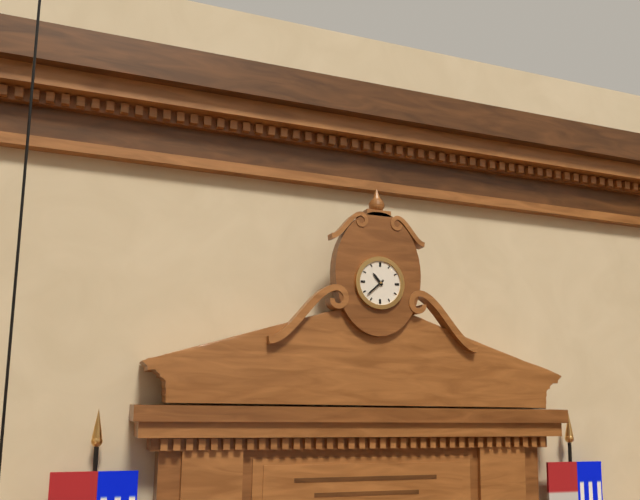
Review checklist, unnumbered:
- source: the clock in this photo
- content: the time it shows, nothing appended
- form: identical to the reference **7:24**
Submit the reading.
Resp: **10:38**
